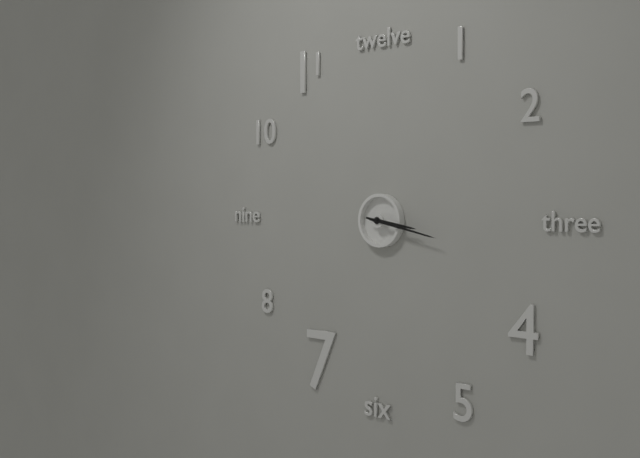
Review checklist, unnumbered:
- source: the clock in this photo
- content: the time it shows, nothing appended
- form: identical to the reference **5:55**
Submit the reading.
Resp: **3:17**
